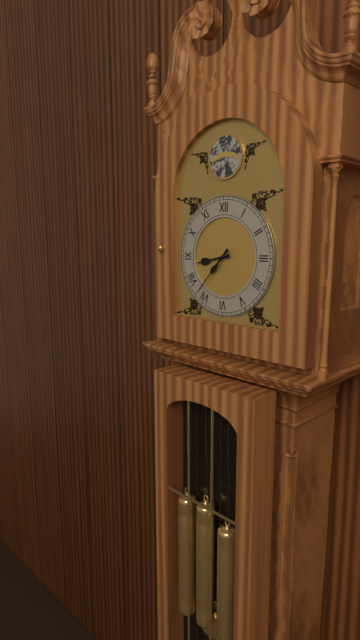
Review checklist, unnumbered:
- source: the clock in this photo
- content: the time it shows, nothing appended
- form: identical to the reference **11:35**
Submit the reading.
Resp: **8:37**
